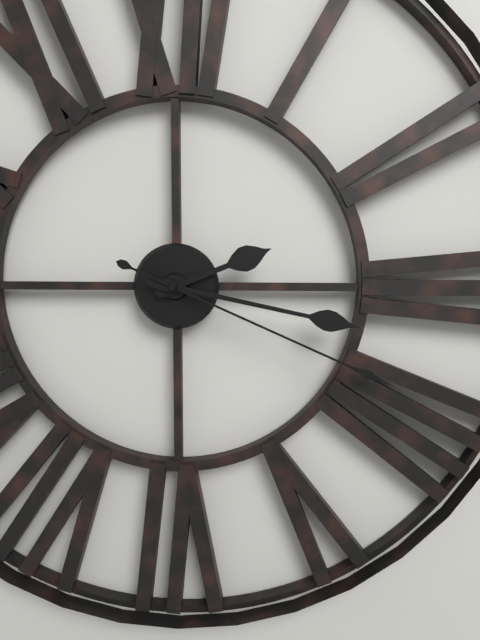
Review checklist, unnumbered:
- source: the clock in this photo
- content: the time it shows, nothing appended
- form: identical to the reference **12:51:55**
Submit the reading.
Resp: **2:17:19**
